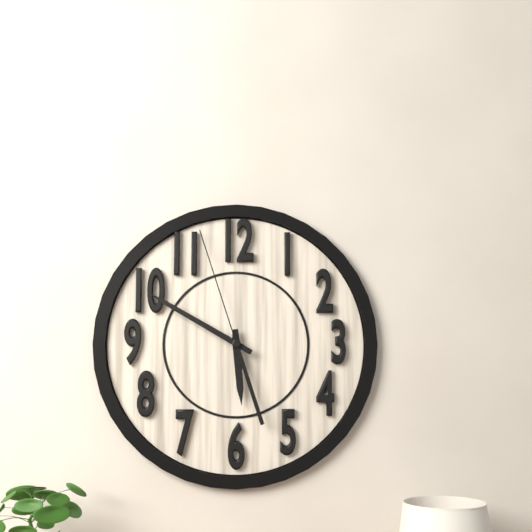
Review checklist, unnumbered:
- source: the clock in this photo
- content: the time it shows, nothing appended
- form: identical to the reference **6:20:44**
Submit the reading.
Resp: **5:50:57**
